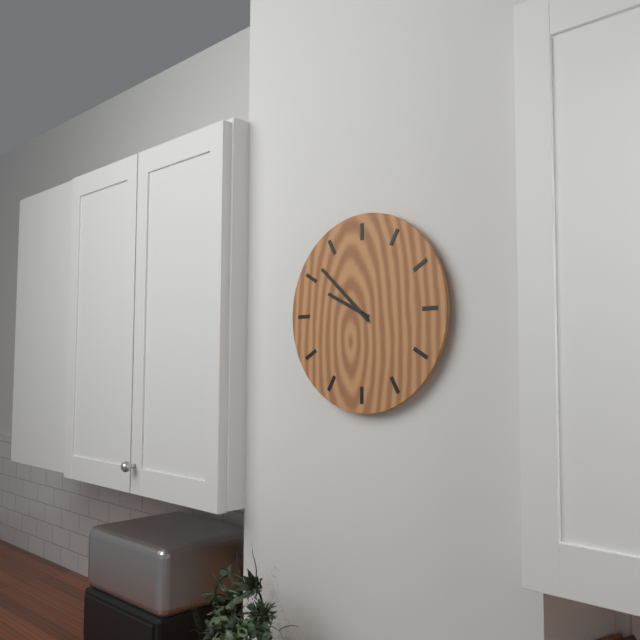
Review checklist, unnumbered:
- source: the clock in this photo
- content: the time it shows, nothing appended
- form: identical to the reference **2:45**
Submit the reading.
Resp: **9:52**
